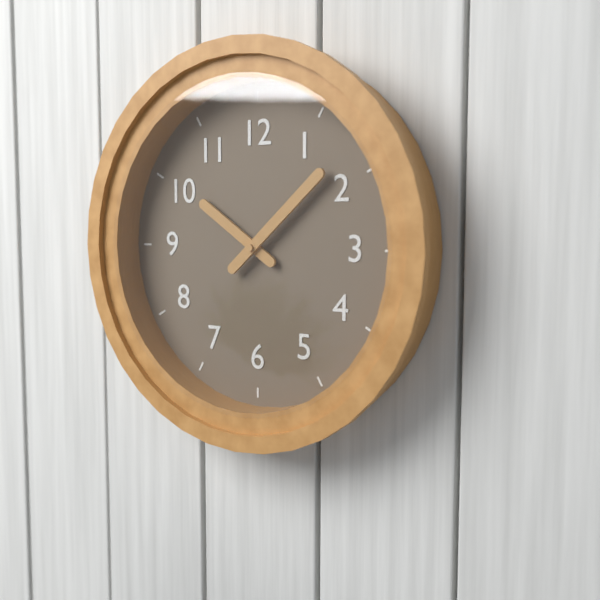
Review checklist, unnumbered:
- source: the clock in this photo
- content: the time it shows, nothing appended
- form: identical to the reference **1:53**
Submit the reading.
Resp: **10:08**
